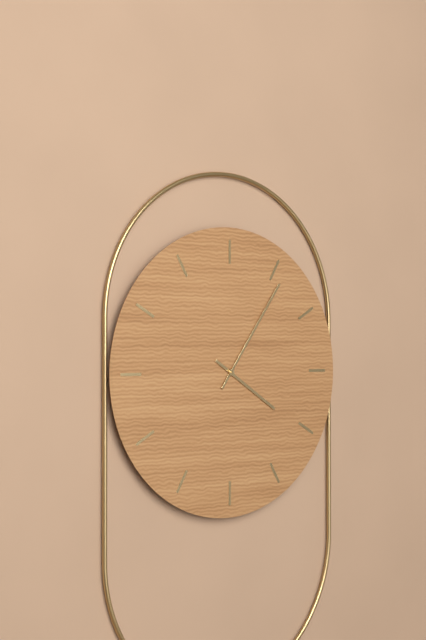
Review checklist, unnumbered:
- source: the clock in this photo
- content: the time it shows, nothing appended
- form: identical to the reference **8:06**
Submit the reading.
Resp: **4:06**
